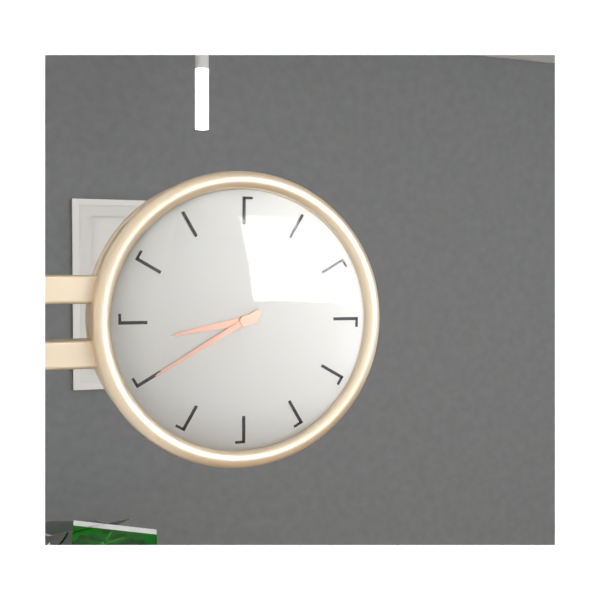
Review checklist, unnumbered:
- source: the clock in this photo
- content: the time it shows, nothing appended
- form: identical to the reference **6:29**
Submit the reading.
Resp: **8:40**
